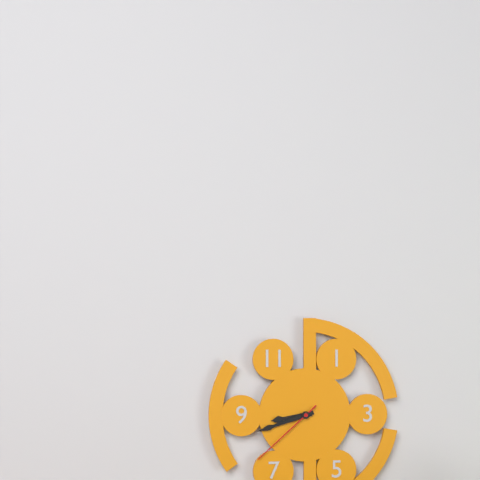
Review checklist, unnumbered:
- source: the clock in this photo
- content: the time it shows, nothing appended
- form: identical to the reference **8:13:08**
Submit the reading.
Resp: **8:42:38**
